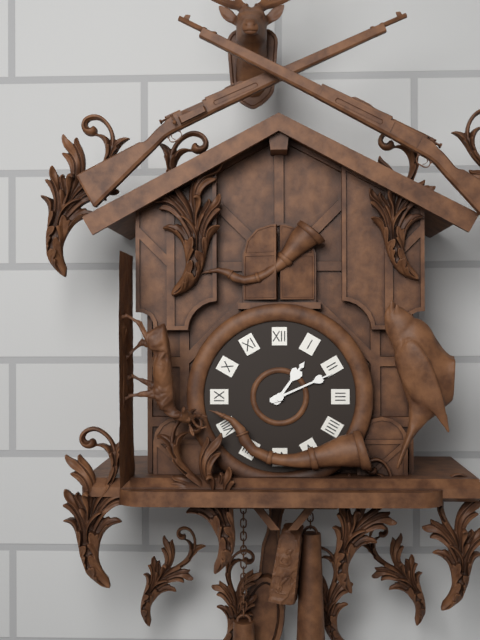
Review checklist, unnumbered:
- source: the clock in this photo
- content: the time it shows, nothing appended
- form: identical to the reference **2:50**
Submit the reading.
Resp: **1:11**
